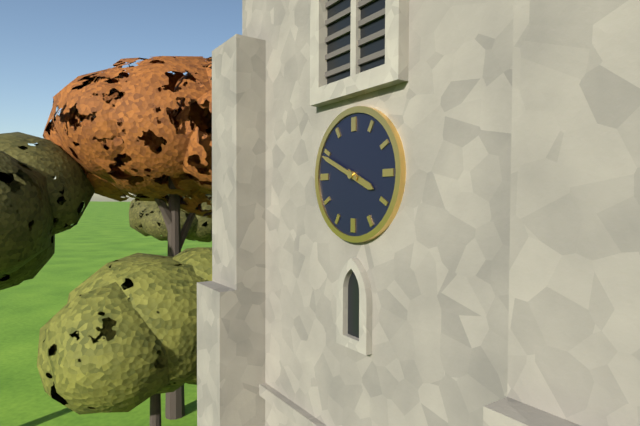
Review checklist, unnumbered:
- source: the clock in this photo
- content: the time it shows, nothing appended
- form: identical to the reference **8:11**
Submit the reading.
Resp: **3:49**
